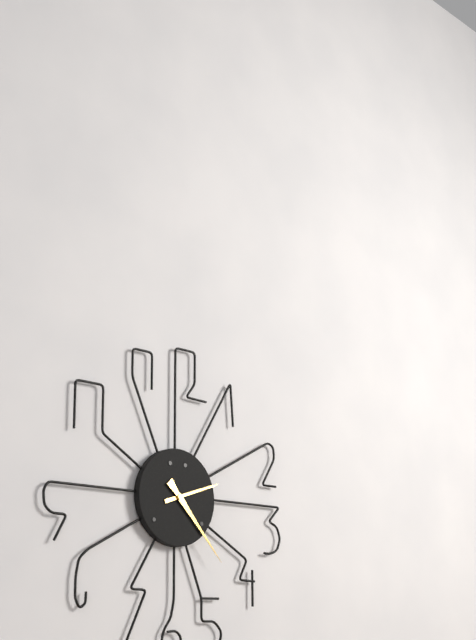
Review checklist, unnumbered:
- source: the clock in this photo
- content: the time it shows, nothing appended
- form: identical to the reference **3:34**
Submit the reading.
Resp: **2:23**
